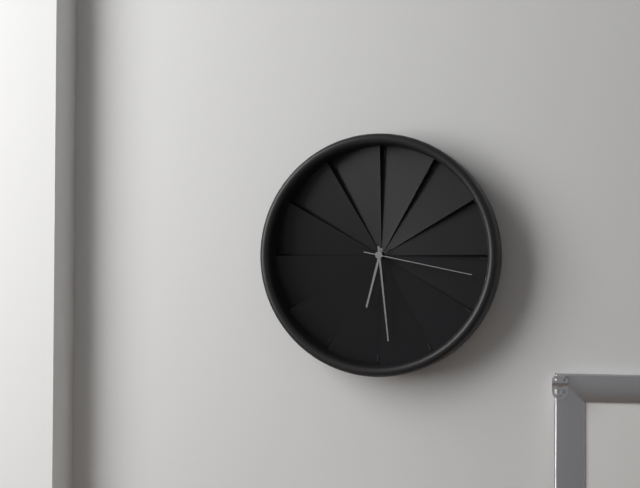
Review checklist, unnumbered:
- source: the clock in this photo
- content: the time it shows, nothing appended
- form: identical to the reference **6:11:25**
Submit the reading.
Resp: **6:29:17**
